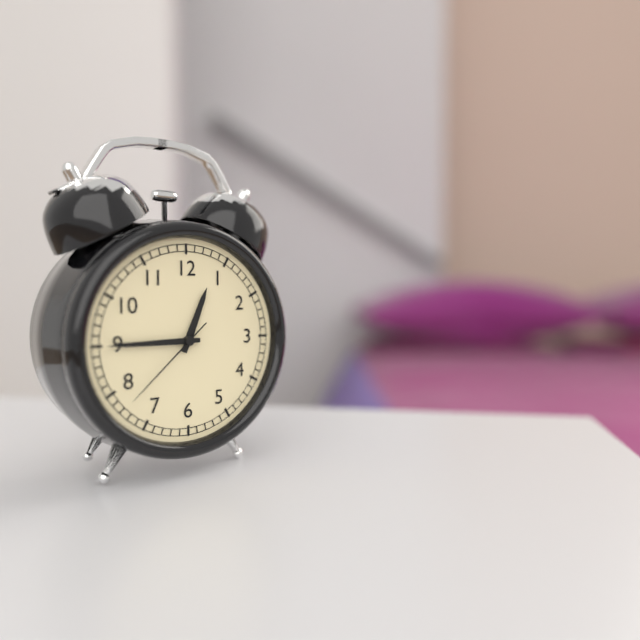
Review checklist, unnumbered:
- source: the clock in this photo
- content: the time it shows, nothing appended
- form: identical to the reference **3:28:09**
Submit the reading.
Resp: **12:45:38**
